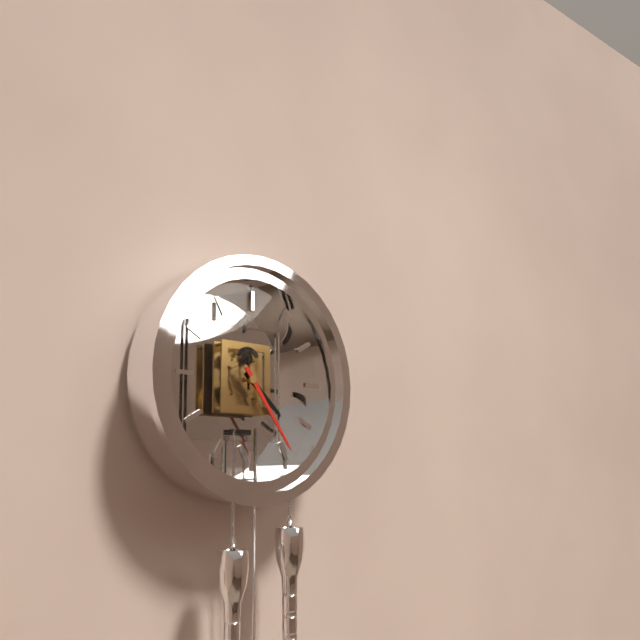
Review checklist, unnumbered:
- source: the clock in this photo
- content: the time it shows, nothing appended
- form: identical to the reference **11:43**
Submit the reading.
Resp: **4:24**
